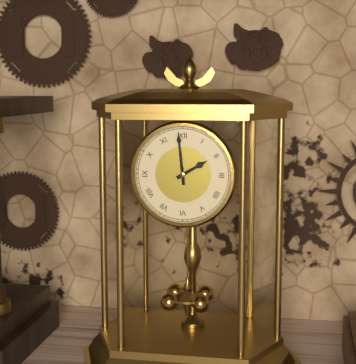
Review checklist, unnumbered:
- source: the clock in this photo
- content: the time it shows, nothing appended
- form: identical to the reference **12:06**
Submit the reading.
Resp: **1:59**
